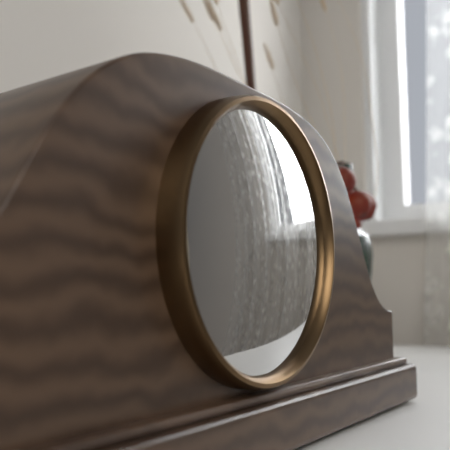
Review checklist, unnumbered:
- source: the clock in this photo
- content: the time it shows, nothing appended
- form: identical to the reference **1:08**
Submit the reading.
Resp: **11:38**
